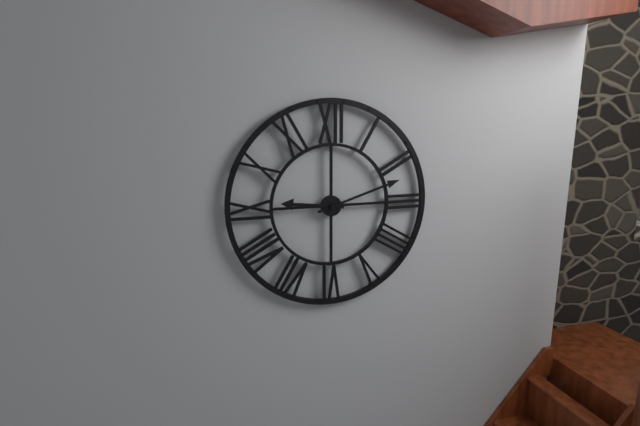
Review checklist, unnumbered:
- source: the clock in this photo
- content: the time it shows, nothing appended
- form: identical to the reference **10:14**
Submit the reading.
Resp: **9:12**
